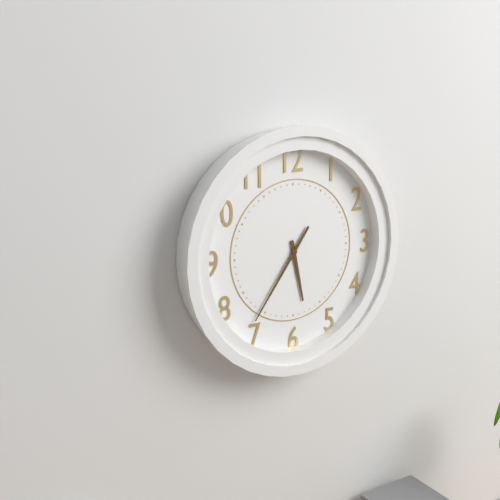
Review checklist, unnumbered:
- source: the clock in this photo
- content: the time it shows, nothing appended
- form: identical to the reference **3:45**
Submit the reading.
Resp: **5:36**
